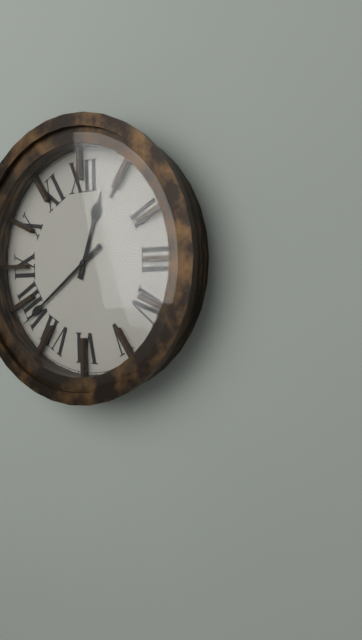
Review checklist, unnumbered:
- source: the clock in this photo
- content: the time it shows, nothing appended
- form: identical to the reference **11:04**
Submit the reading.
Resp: **12:39**
